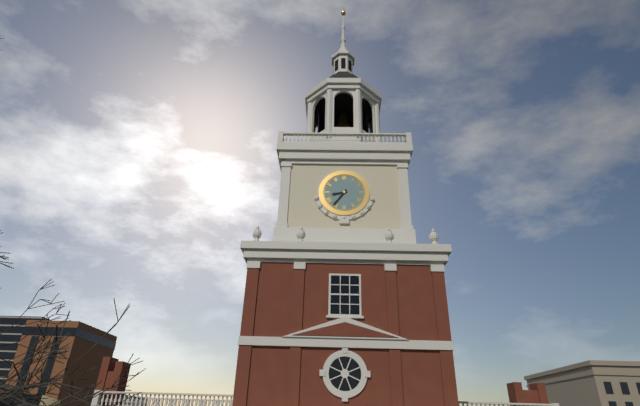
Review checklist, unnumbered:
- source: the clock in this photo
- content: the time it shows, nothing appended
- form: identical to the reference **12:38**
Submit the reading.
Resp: **8:36**
